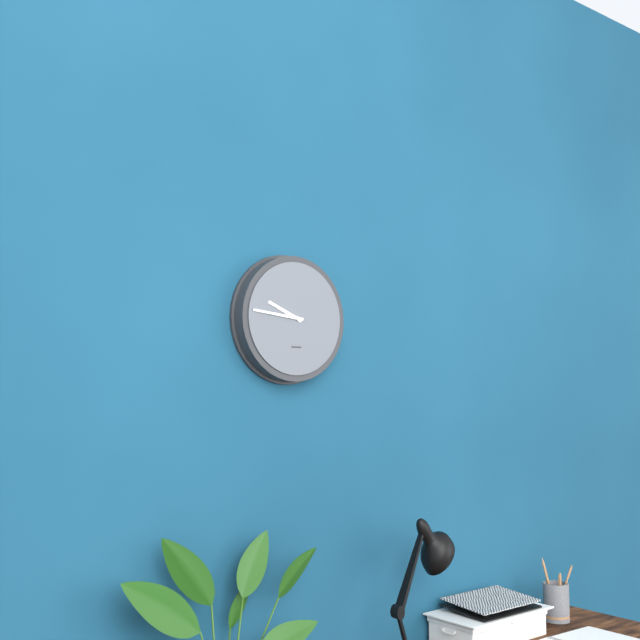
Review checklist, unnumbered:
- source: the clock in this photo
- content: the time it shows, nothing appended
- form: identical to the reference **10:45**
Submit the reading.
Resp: **9:46**
